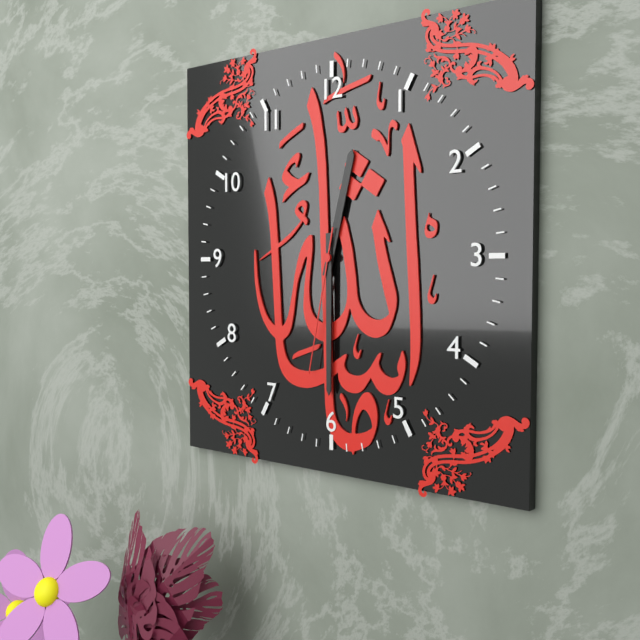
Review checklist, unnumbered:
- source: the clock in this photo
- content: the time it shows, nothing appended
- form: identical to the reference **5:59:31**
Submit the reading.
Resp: **12:30:32**
